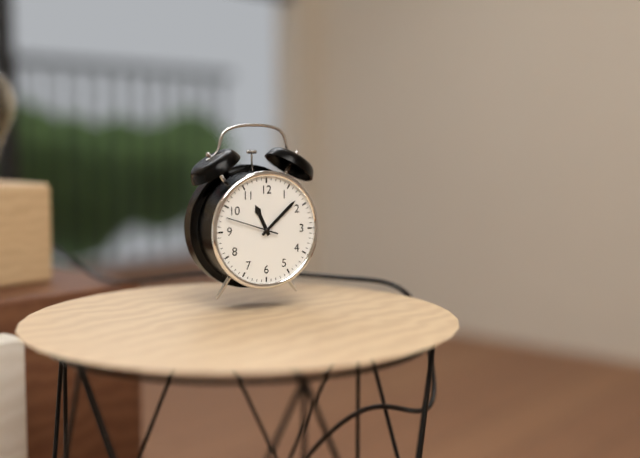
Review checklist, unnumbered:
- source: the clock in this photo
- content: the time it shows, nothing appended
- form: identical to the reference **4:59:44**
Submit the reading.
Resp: **11:08:48**
